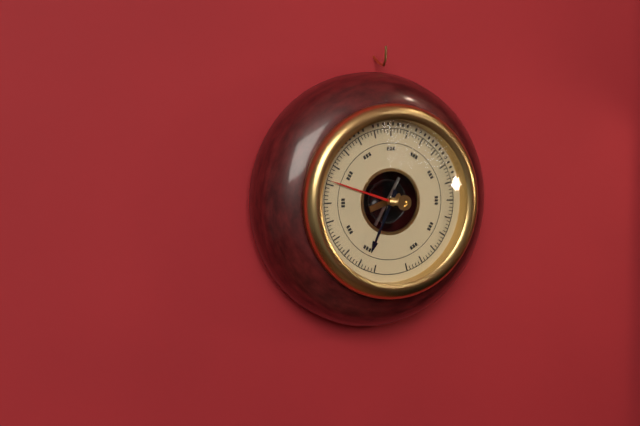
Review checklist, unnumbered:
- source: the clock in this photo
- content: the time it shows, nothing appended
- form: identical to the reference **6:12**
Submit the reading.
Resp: **6:48**
